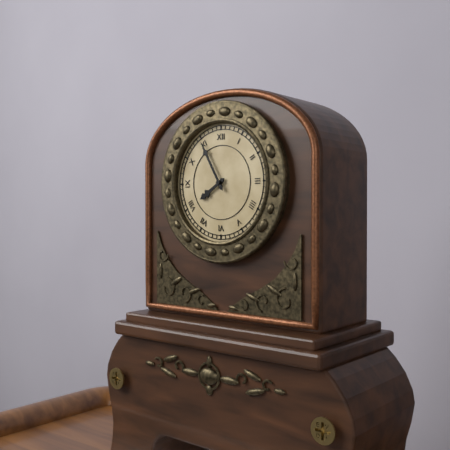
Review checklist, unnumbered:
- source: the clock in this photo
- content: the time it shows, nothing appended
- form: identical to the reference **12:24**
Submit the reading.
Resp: **7:55**
